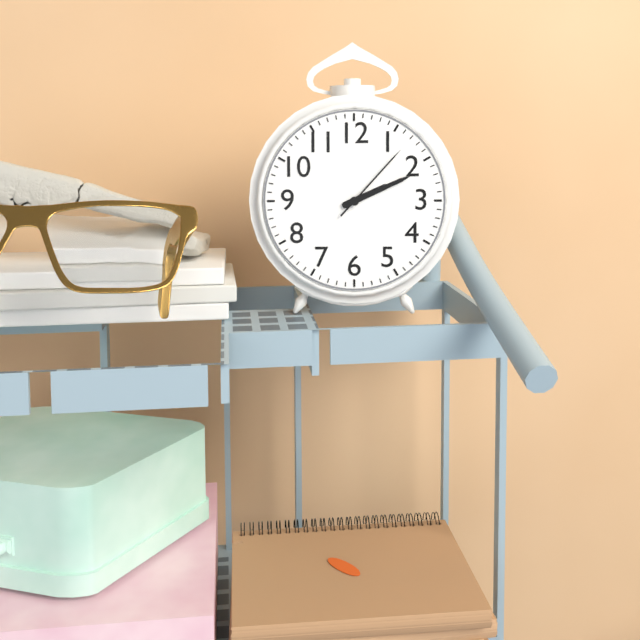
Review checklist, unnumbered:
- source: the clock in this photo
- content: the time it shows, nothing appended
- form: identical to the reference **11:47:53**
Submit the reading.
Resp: **2:11:07**
